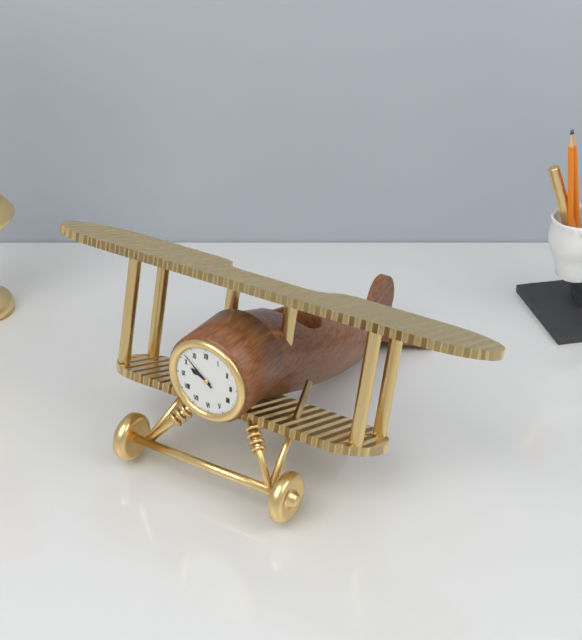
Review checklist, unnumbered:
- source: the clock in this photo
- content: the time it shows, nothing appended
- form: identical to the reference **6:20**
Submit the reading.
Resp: **9:52**
